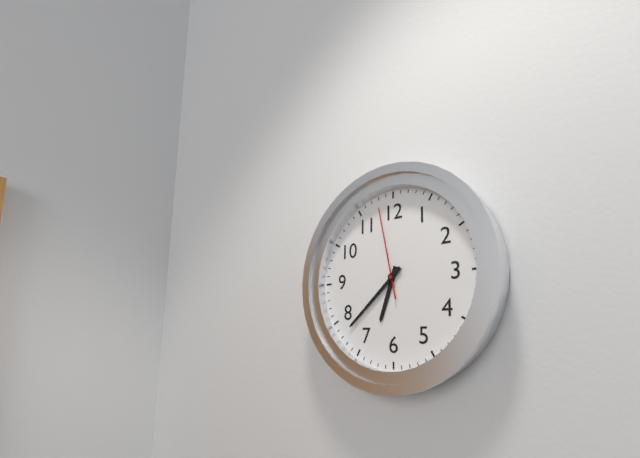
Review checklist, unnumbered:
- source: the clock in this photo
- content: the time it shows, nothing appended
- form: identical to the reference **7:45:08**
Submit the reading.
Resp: **6:38:58**
